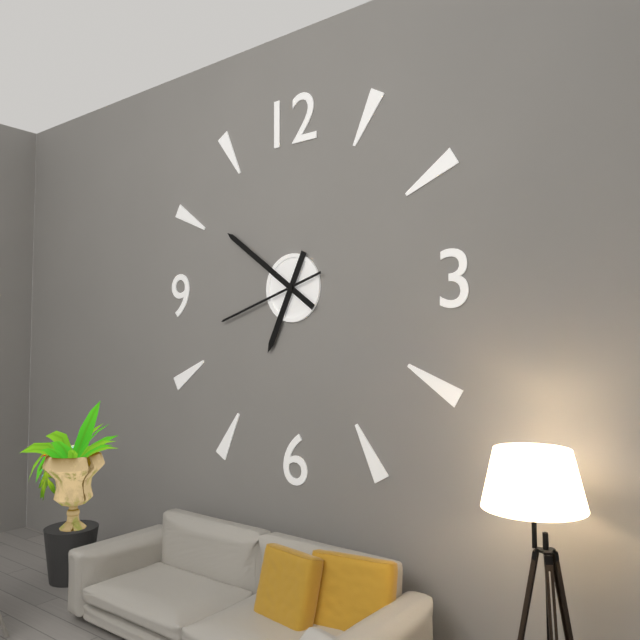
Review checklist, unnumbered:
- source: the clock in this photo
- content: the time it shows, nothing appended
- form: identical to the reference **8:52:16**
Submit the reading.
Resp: **6:51:42**
